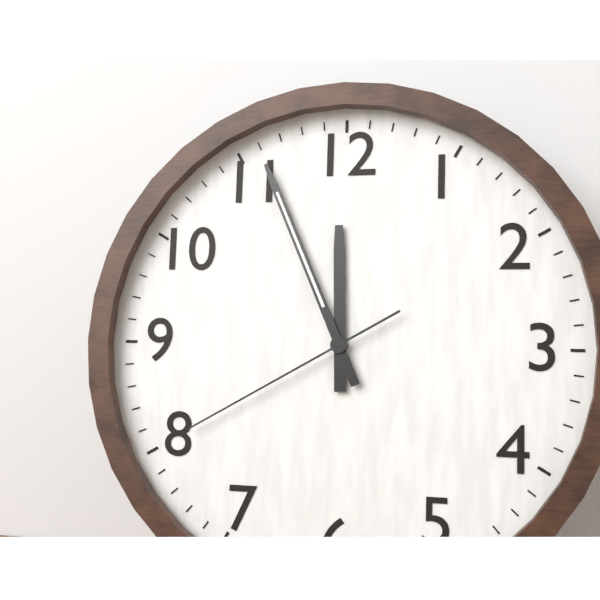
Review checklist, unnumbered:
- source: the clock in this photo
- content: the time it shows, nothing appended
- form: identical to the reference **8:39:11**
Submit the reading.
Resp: **11:56:40**
